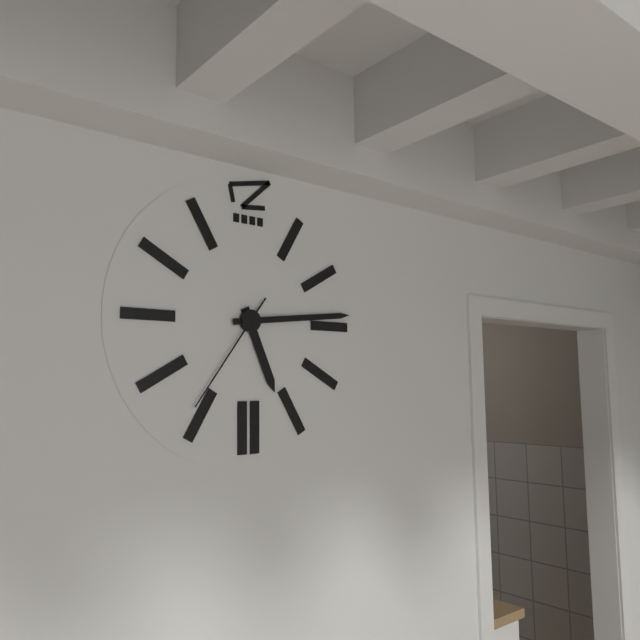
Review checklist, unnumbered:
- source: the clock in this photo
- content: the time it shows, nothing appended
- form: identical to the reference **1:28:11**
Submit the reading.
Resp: **5:14:36**
